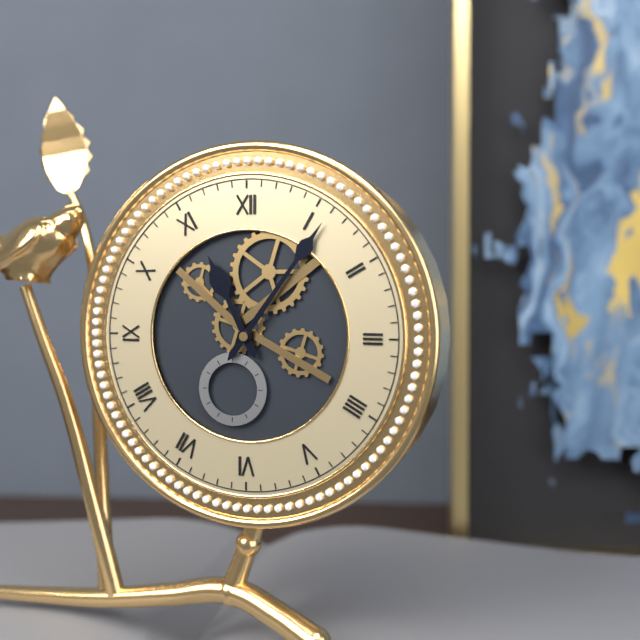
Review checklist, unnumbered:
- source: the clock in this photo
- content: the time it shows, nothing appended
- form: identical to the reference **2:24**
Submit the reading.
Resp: **11:06**
